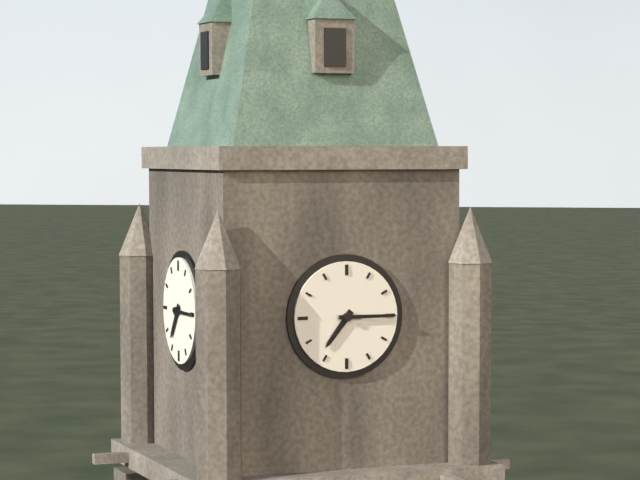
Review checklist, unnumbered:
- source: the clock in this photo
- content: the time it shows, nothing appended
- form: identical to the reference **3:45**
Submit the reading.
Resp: **7:15**
